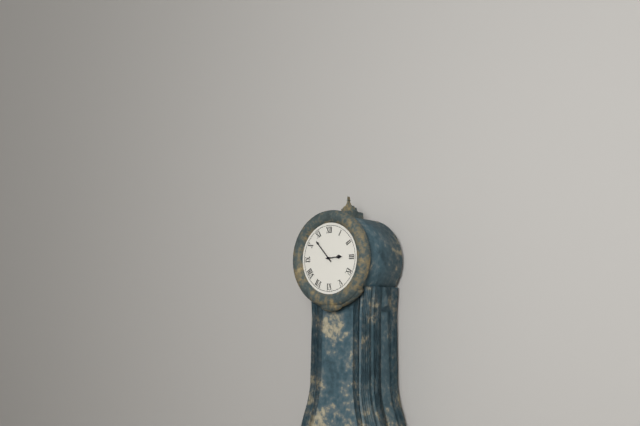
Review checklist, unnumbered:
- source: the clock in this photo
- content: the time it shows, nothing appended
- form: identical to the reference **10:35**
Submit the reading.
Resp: **2:53**
